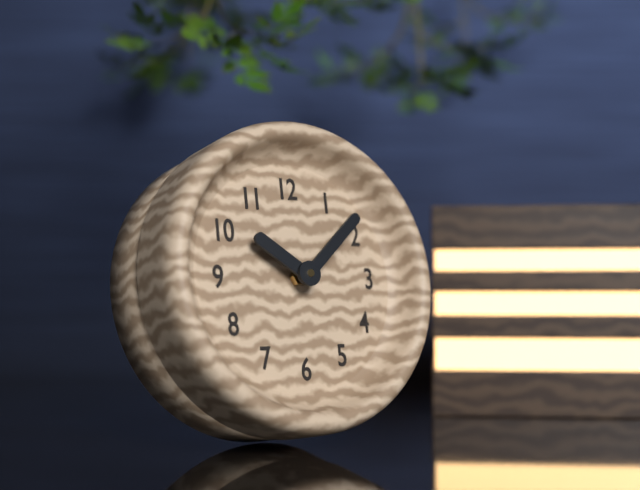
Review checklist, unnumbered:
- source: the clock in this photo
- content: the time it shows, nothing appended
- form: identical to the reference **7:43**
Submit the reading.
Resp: **10:08**
